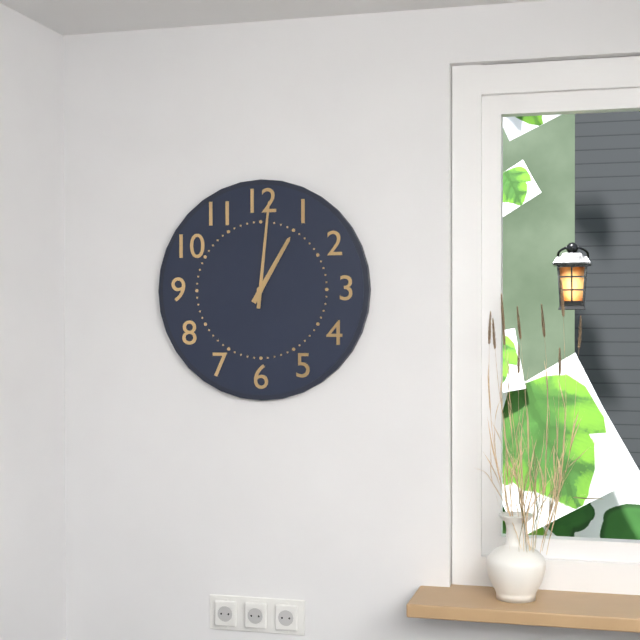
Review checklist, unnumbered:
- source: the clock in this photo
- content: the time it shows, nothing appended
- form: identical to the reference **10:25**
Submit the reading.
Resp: **1:01**
